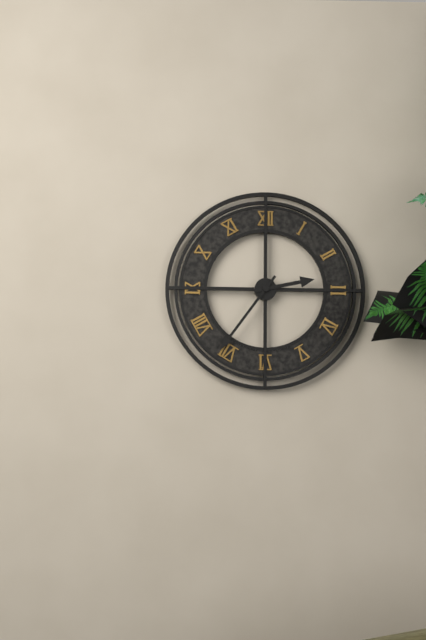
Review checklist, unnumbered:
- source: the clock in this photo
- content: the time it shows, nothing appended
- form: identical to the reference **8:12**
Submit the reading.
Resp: **2:36**
